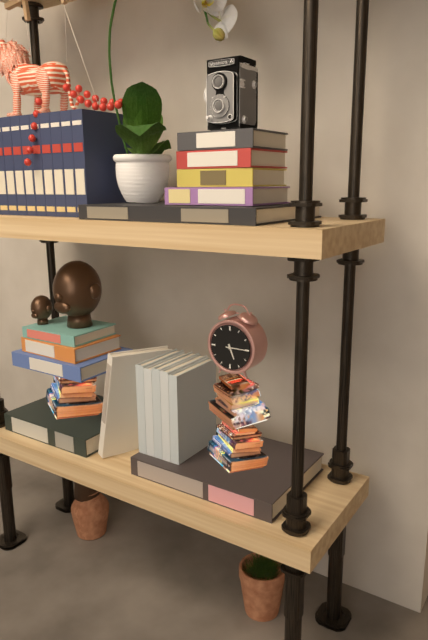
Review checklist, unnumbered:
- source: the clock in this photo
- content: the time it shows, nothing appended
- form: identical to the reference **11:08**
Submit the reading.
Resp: **5:15**
